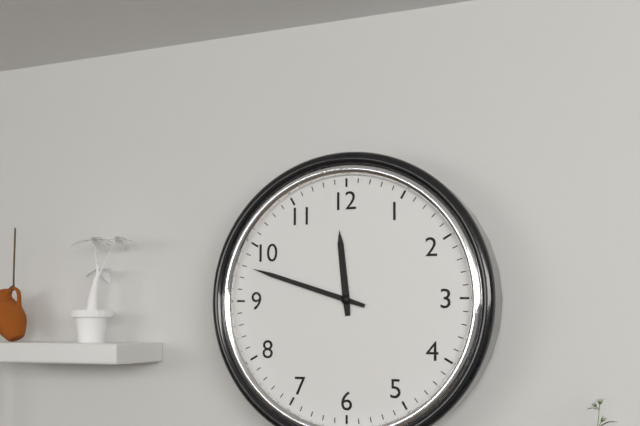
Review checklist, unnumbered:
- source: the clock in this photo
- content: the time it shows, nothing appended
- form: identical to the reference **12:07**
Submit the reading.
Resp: **11:48**
